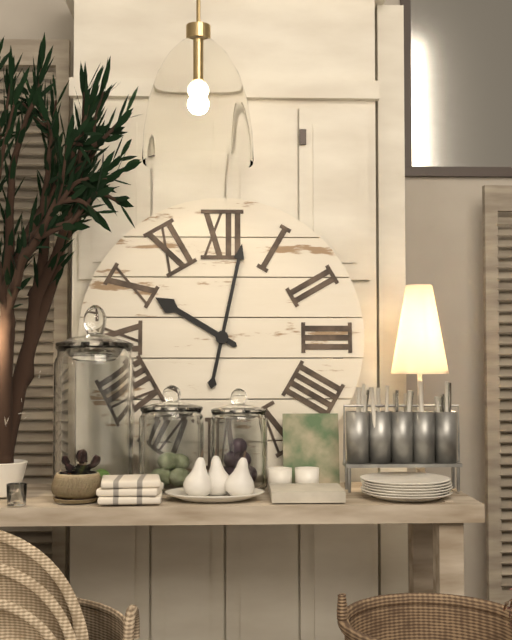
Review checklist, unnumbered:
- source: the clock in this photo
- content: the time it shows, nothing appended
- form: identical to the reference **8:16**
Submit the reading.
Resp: **10:02**
